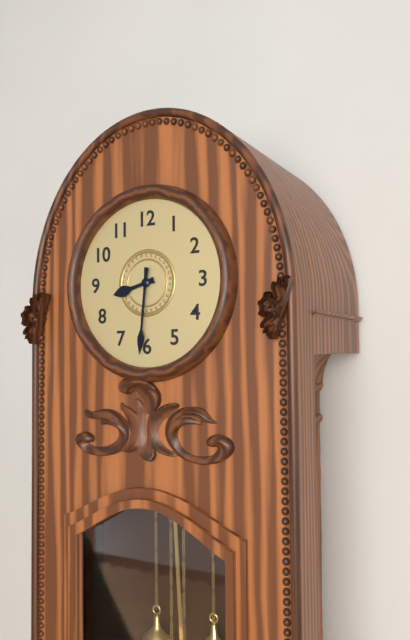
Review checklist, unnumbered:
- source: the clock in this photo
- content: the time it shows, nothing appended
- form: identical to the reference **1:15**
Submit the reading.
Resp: **8:31**
